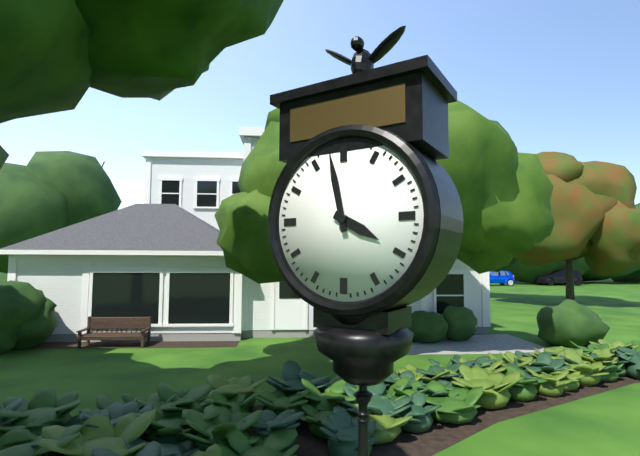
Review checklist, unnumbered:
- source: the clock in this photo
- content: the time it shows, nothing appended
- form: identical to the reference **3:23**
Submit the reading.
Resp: **3:58**
